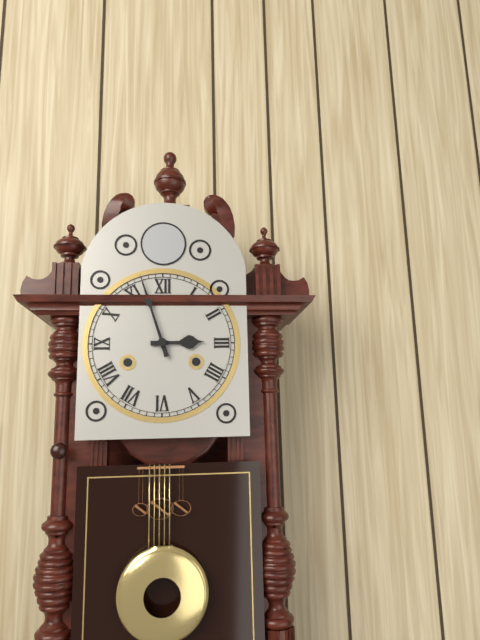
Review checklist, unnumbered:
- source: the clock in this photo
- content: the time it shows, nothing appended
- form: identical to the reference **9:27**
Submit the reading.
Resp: **2:57**
